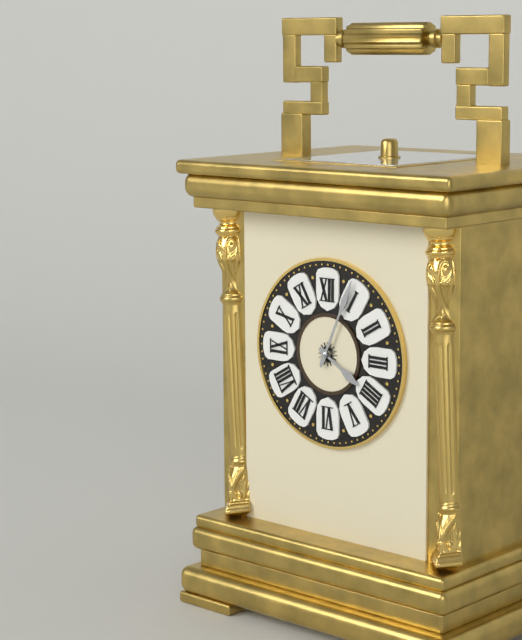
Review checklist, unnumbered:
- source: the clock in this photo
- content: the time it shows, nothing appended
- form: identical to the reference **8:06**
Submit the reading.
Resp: **4:04**
